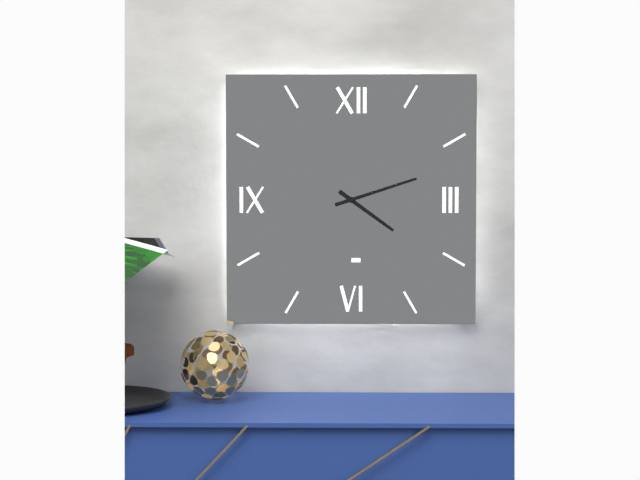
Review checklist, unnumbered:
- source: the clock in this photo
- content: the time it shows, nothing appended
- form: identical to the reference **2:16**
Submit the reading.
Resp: **4:12**
